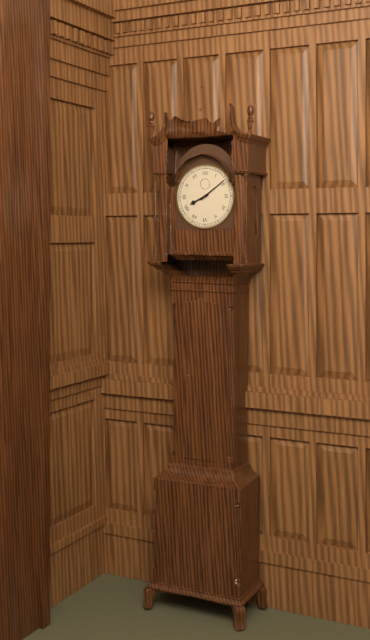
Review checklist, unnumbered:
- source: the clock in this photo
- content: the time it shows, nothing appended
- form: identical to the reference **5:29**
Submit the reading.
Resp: **8:09**
